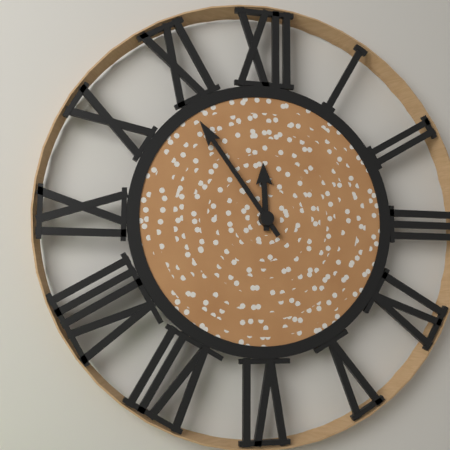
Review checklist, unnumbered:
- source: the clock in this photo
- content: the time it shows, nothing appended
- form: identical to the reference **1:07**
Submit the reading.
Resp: **11:54**
